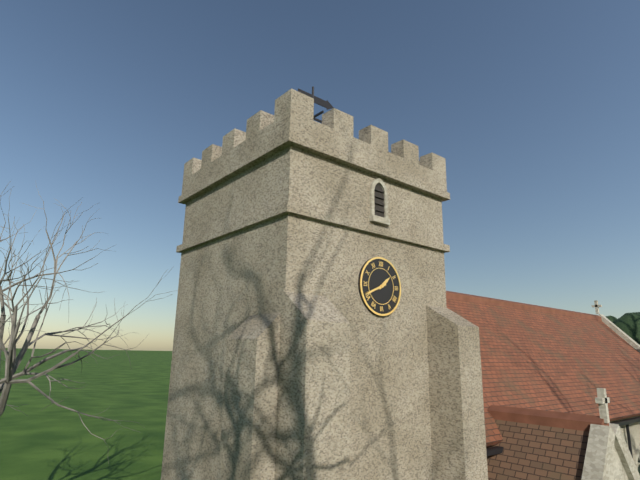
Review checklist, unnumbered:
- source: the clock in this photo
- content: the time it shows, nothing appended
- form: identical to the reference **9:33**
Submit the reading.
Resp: **1:41**
